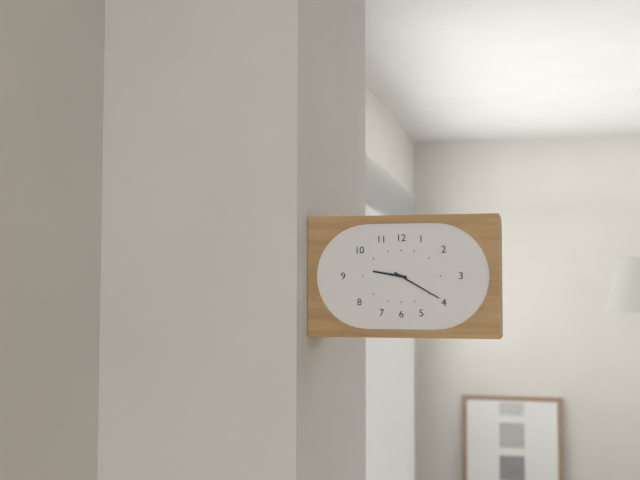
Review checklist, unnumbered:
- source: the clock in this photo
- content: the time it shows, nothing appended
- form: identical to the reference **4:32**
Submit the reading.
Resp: **9:20**
